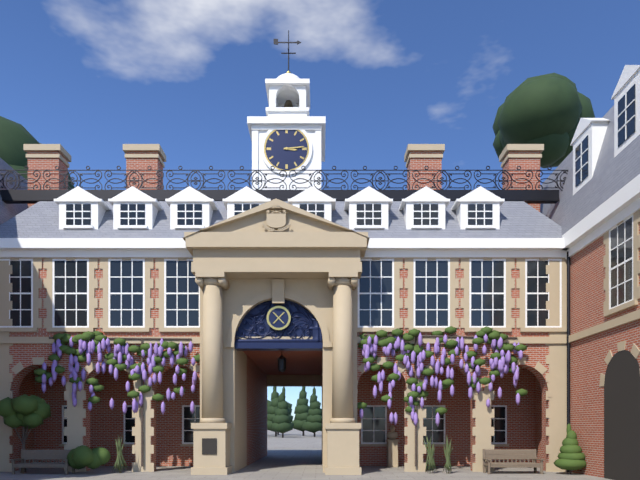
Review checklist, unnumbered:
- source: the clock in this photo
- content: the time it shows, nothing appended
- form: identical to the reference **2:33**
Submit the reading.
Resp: **3:14**
